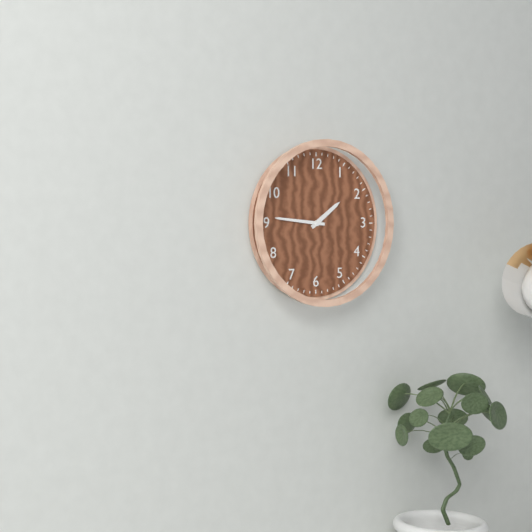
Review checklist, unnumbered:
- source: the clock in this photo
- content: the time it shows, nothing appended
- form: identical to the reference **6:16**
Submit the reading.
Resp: **1:46**
